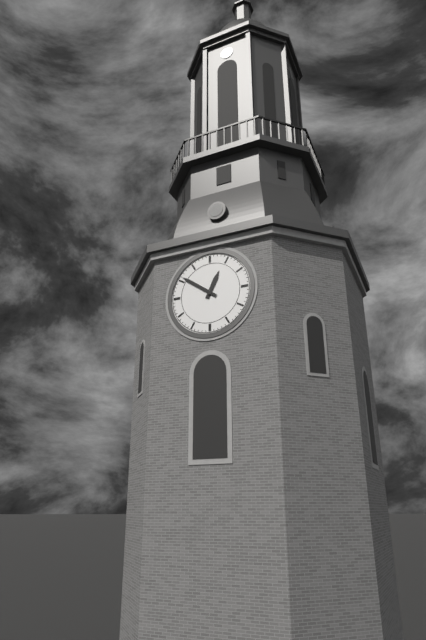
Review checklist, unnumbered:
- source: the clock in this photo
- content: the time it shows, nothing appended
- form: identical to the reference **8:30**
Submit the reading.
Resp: **12:51**
